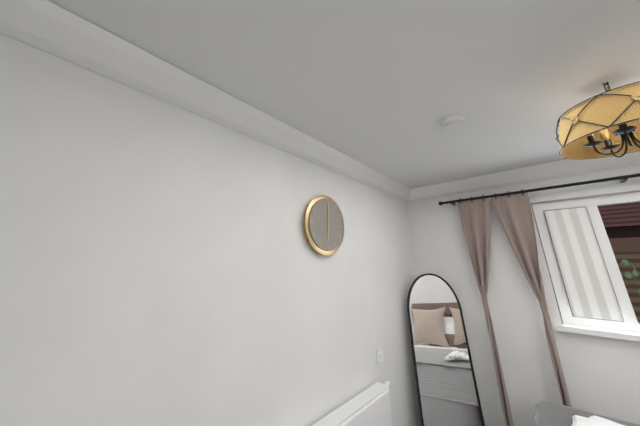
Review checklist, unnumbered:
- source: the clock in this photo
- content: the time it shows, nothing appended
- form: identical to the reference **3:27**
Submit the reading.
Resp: **6:00**
